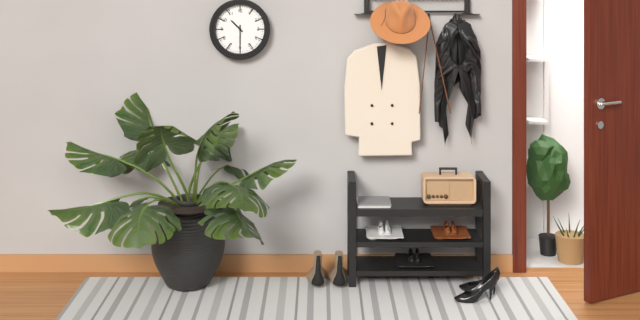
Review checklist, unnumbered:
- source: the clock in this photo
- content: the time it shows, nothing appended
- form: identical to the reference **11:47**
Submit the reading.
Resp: **10:30**
